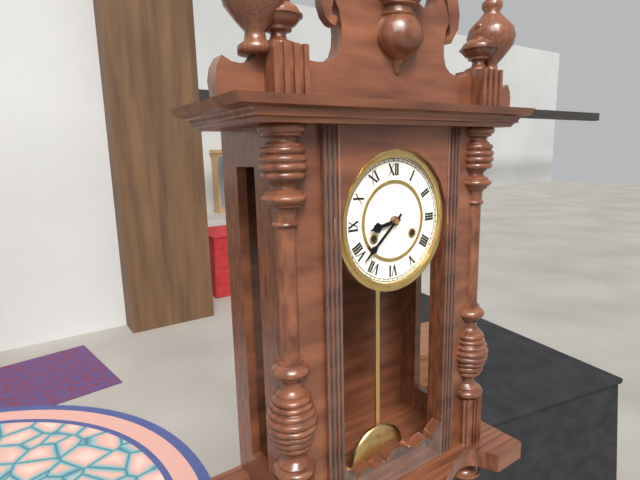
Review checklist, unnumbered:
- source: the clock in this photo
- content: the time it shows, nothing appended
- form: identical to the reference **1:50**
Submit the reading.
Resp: **8:38**
